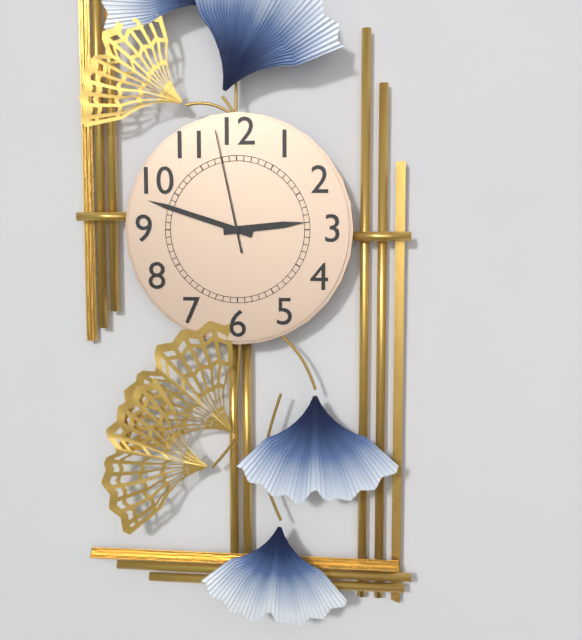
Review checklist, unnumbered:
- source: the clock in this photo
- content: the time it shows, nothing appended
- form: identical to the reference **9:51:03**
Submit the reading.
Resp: **2:48:58**
